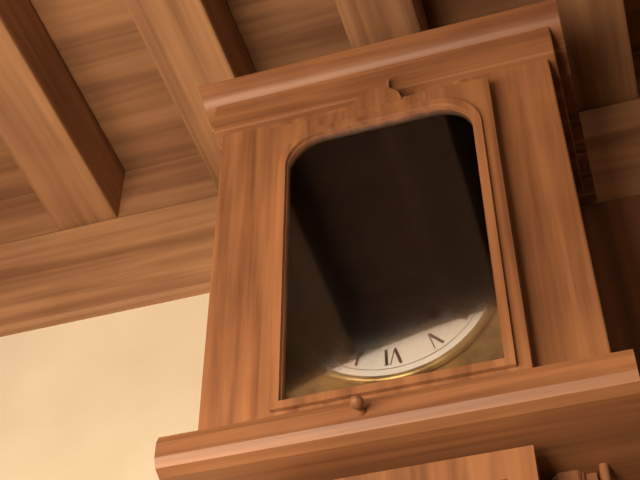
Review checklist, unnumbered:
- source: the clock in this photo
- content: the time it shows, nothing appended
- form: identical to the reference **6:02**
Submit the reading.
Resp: **10:07**
